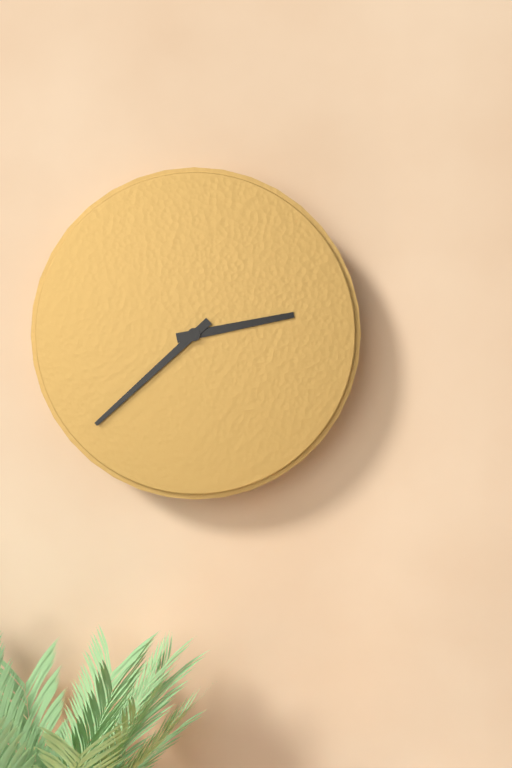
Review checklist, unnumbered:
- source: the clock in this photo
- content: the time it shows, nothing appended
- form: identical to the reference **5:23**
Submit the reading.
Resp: **2:38**
